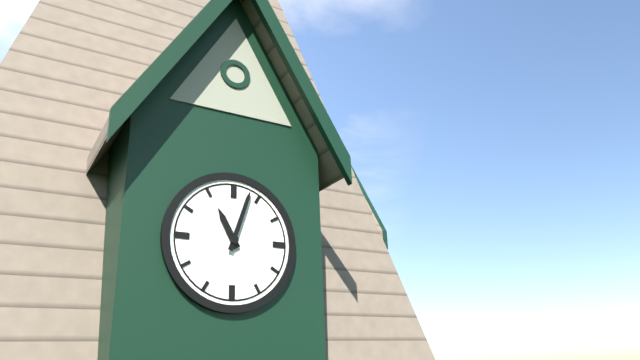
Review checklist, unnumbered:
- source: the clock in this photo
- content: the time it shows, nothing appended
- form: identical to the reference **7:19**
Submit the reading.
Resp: **11:03**
